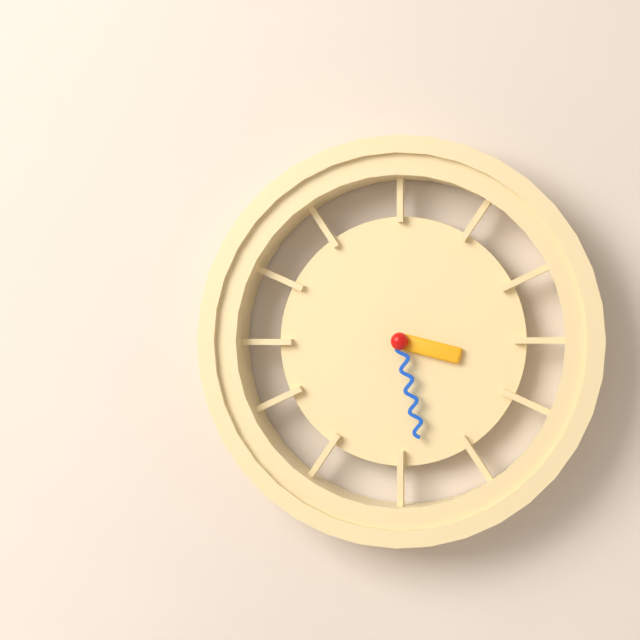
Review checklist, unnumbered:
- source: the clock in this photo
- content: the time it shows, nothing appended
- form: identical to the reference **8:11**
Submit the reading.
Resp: **3:28**
